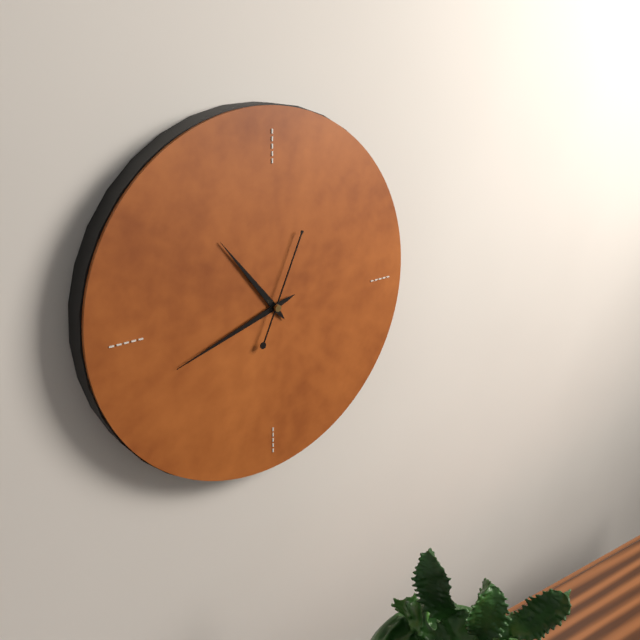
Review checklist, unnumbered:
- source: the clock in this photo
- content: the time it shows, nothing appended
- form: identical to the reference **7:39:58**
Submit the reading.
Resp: **10:42:04**
